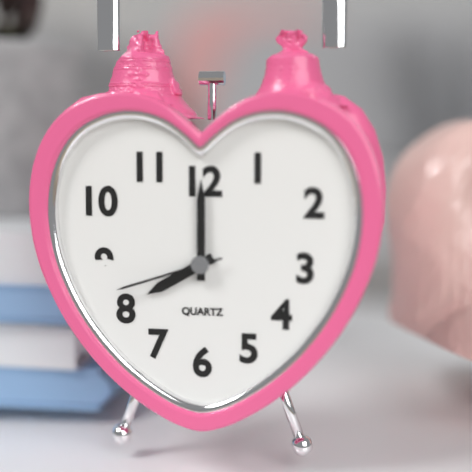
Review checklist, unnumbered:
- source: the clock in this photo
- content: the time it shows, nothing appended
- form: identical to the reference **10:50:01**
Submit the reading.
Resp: **8:00:42**
